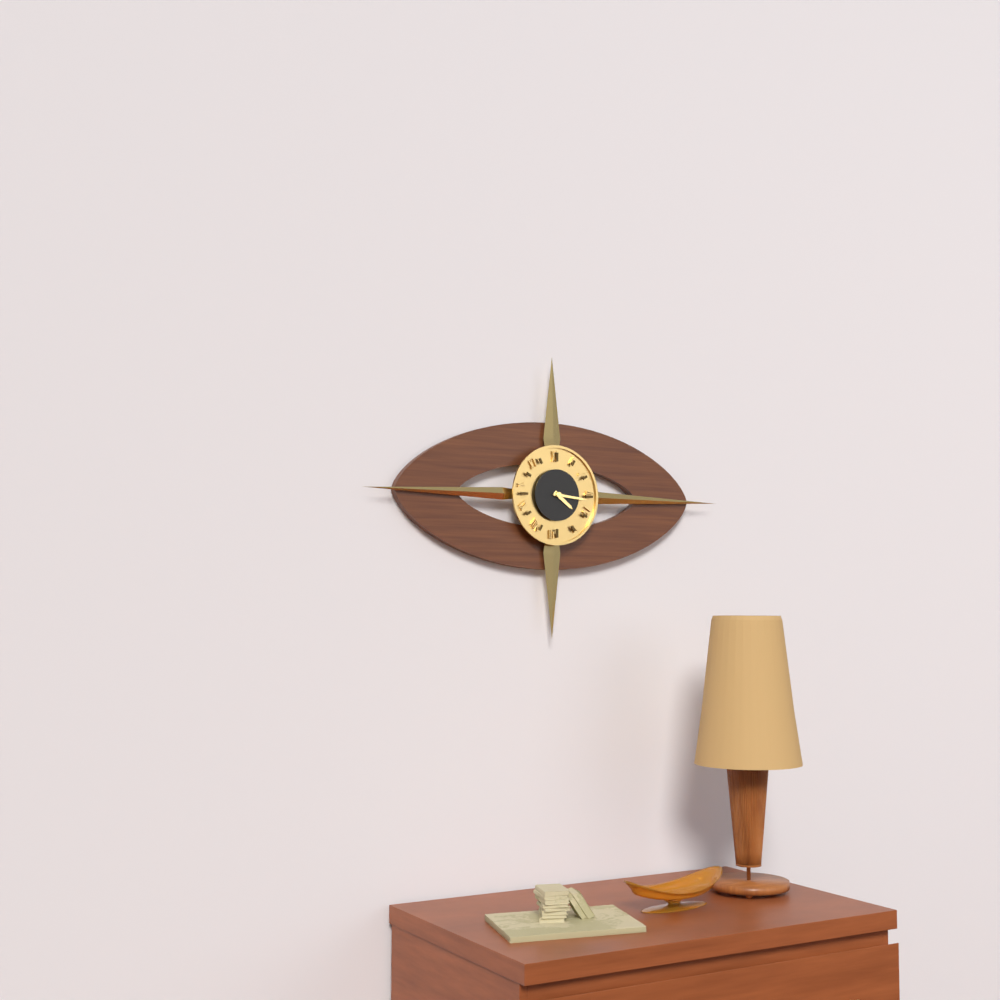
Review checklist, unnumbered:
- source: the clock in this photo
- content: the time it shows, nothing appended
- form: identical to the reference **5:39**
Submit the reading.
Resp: **4:16**
